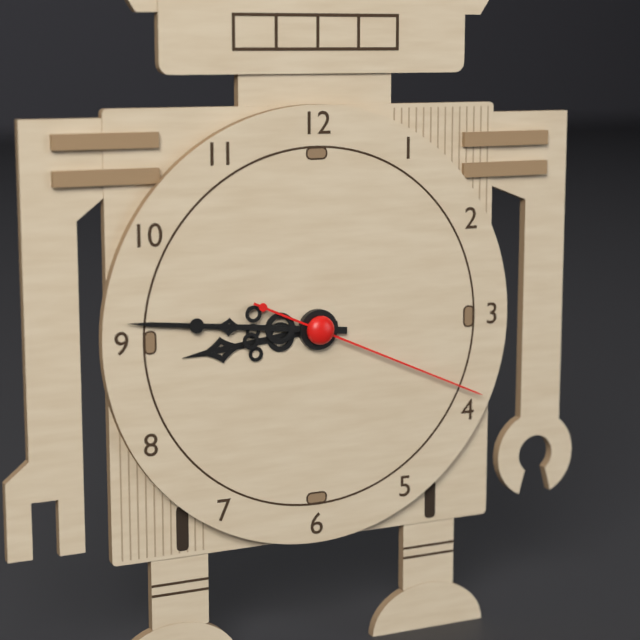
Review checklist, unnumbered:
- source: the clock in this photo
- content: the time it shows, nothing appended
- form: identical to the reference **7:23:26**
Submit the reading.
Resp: **8:46:19**
